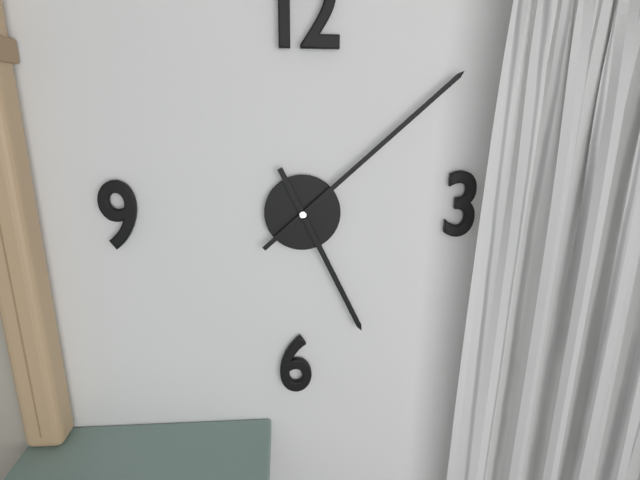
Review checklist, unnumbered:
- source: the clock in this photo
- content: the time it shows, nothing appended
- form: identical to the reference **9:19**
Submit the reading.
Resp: **5:08**
